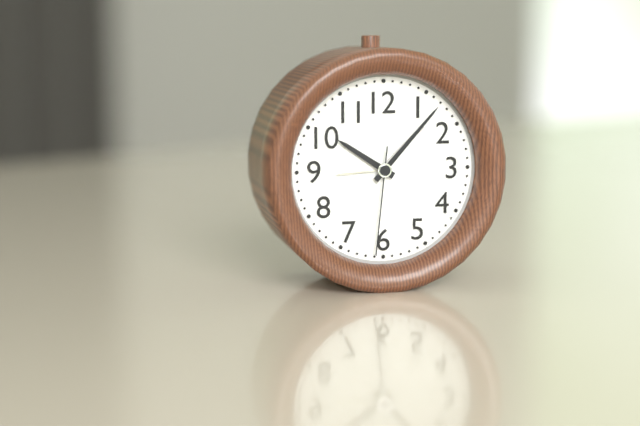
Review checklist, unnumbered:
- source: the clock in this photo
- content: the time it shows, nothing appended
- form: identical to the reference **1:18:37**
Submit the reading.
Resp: **10:07:31**
